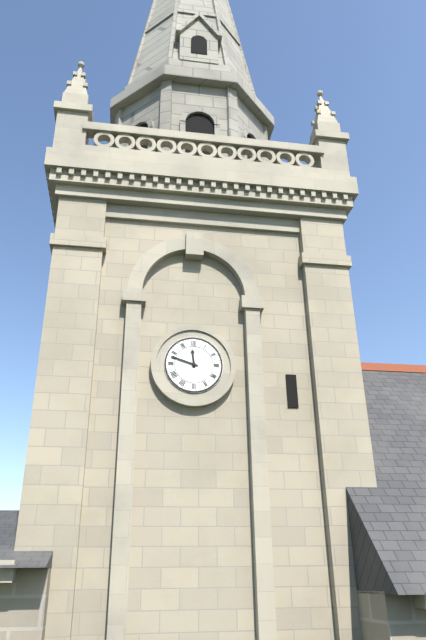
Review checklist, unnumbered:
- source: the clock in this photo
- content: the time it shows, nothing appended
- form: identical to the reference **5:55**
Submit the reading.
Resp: **11:48**
